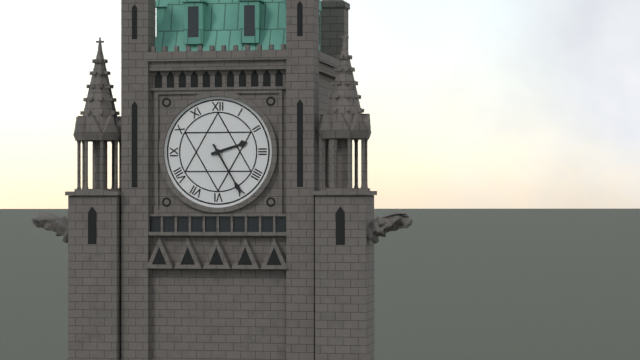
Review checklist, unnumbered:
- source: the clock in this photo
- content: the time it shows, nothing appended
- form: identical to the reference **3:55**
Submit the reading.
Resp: **2:25**
